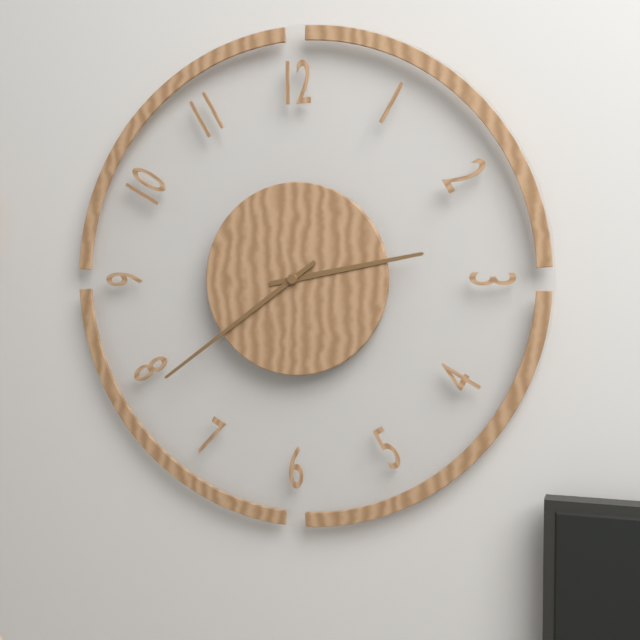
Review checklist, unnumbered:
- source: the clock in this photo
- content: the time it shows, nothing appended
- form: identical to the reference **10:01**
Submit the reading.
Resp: **2:39**
